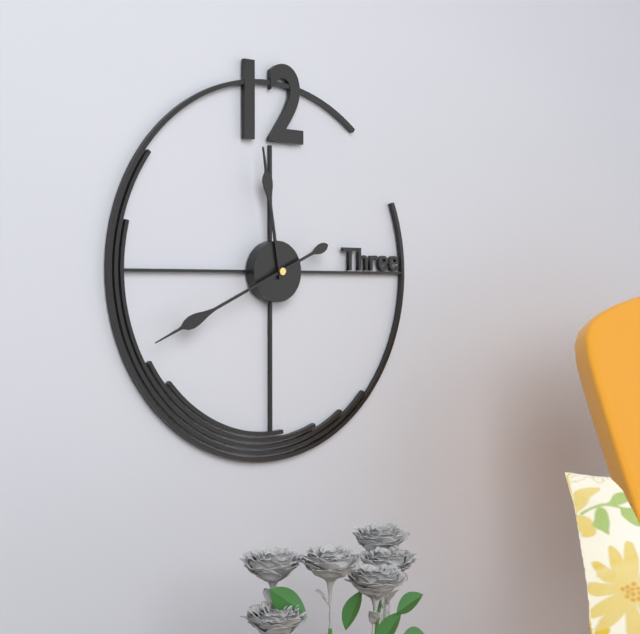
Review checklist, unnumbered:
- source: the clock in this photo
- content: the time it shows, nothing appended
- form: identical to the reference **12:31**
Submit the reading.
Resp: **11:41**
